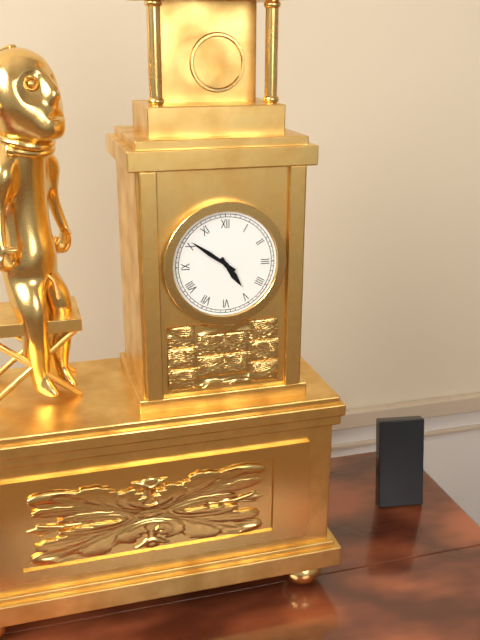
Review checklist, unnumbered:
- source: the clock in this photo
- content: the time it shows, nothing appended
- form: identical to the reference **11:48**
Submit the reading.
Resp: **4:51**
